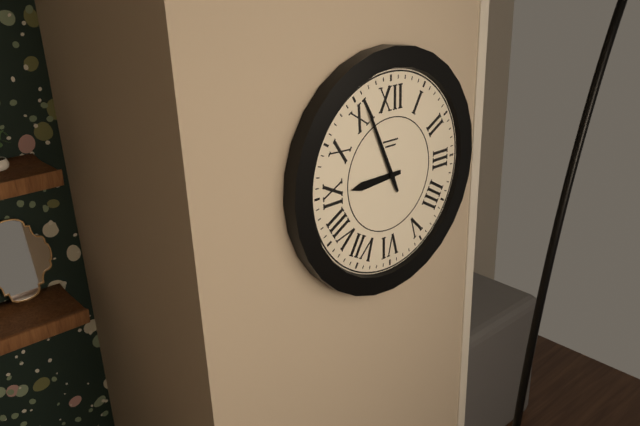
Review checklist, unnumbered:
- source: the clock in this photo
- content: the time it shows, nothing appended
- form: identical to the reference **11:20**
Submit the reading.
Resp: **8:56**
